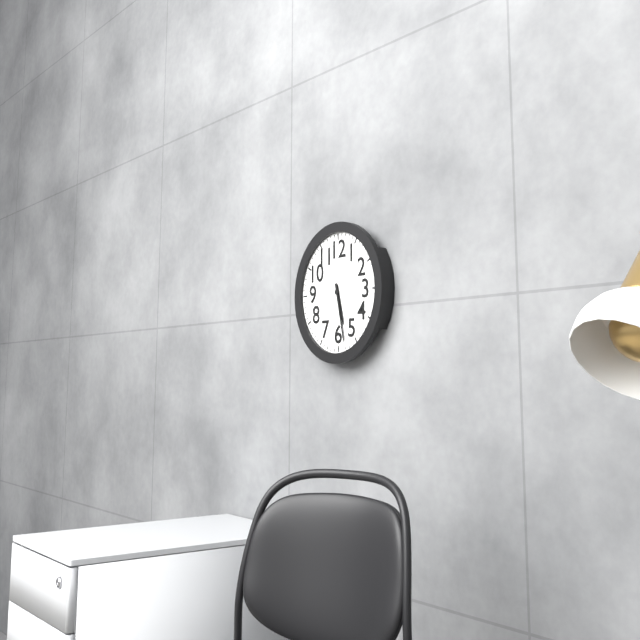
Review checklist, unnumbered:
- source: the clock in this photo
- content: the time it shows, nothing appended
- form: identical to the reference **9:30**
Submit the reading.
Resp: **5:28**
